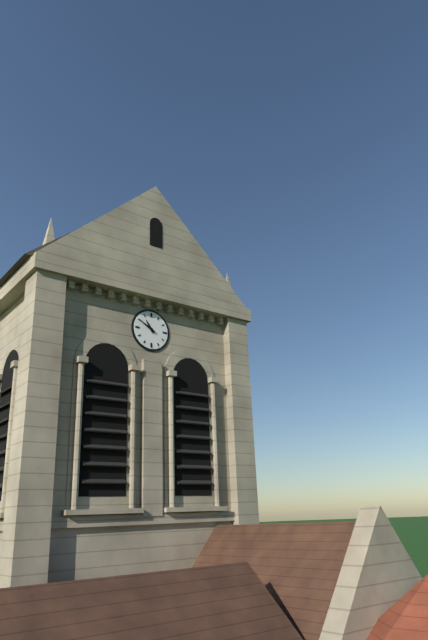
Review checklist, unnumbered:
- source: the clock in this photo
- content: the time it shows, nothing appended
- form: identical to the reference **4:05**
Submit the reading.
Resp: **10:50**
